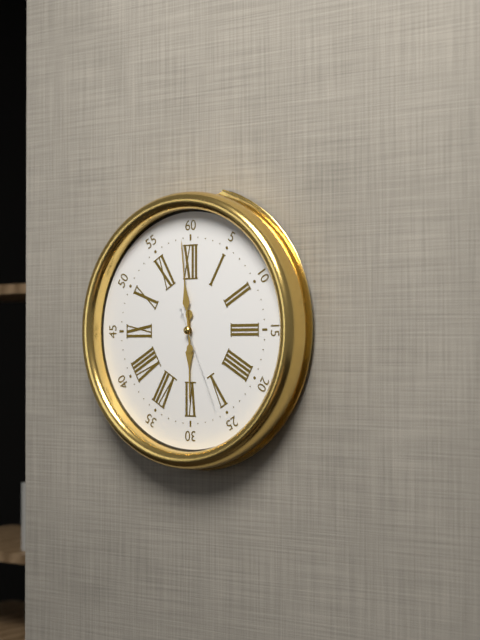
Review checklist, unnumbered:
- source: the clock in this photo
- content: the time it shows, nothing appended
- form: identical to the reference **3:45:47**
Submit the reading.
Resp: **5:59:26**
